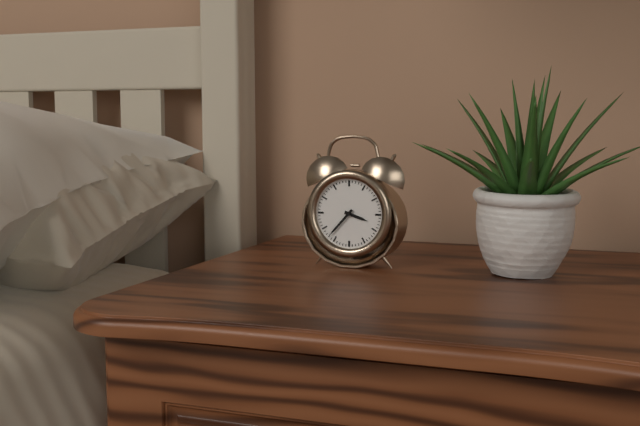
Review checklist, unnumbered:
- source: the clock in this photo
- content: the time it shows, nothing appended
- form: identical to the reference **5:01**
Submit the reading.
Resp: **3:37**
